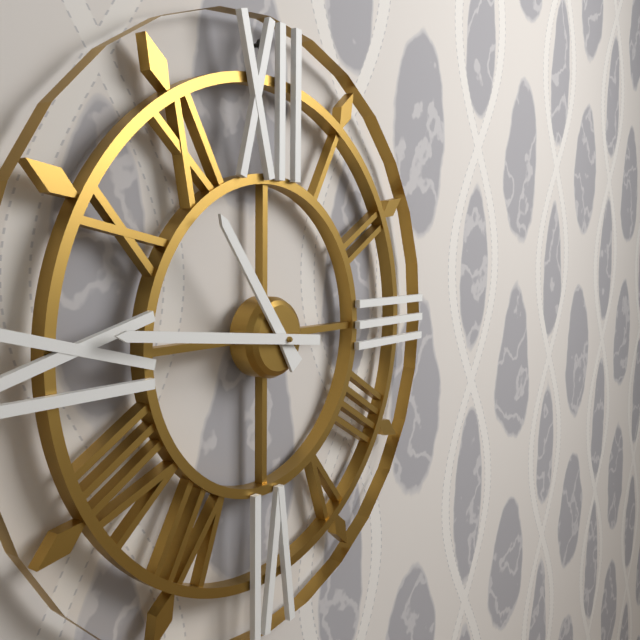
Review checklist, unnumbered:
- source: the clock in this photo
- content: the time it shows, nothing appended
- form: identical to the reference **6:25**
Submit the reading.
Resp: **10:46**
